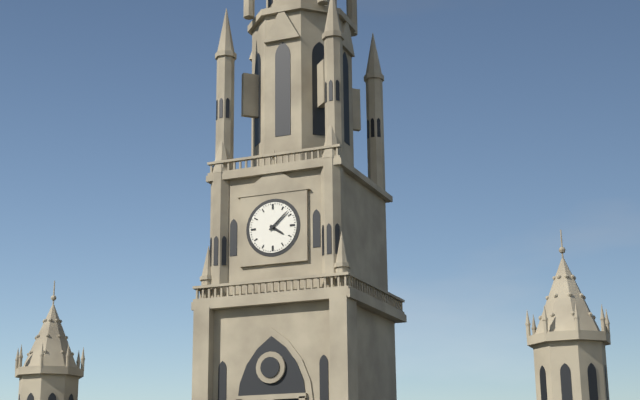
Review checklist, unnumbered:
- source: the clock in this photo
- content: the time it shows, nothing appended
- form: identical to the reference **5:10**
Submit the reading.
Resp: **4:08**
